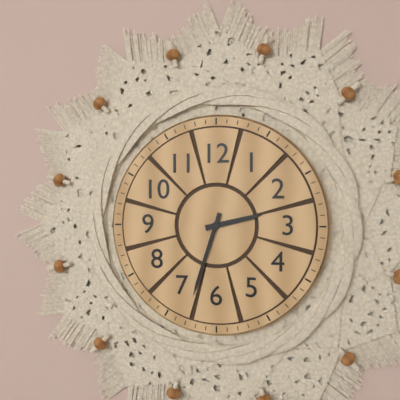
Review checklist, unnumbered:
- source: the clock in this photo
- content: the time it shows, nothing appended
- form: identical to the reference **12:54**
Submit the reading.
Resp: **2:33**
